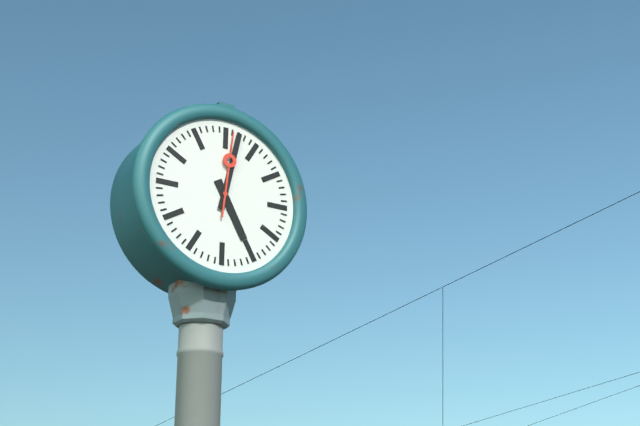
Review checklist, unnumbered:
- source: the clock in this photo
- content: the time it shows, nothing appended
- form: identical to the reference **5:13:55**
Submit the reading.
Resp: **5:02:01**
